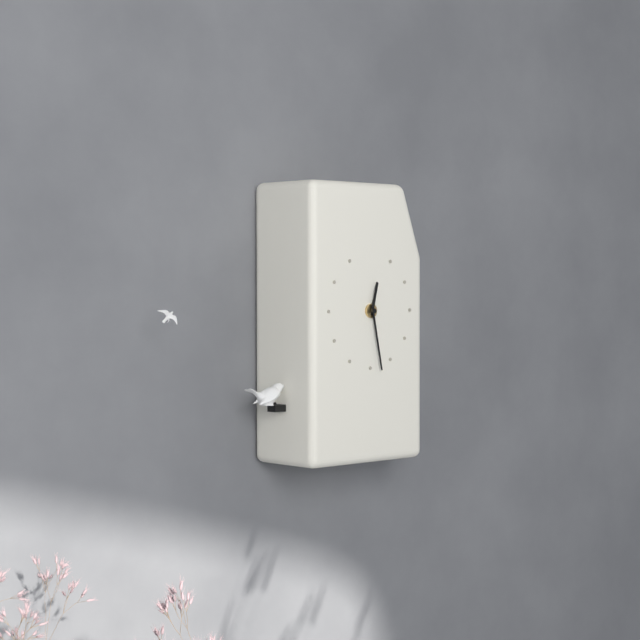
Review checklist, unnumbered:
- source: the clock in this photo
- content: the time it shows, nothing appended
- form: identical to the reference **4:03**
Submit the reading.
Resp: **12:28**
